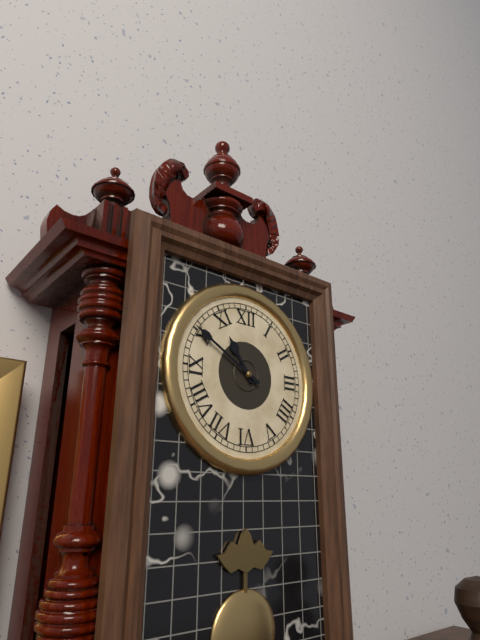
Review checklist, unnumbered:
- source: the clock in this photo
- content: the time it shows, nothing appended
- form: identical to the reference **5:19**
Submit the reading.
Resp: **10:50**
